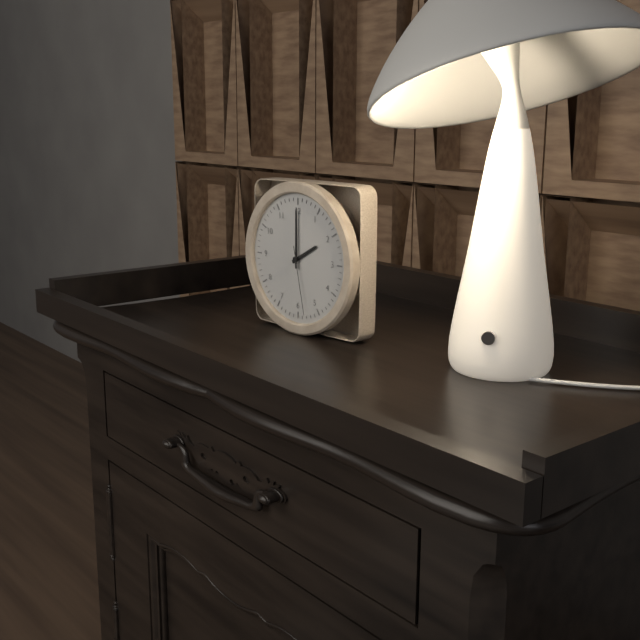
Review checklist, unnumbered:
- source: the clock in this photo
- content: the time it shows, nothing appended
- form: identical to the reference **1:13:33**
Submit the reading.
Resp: **2:00:28**
